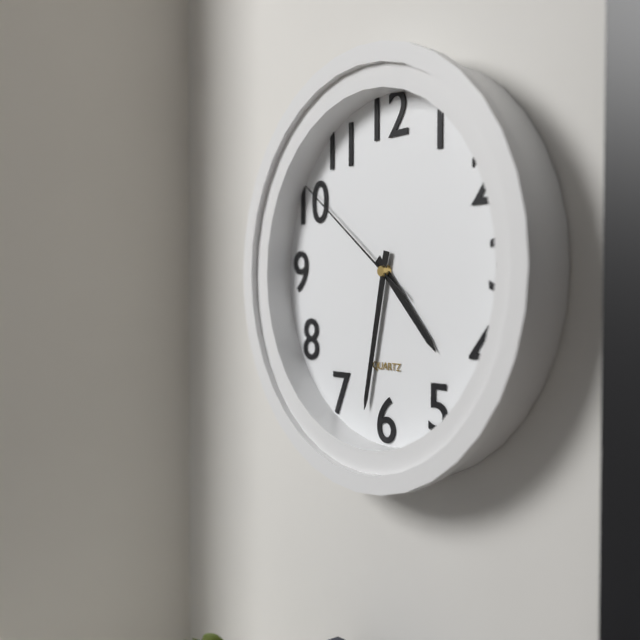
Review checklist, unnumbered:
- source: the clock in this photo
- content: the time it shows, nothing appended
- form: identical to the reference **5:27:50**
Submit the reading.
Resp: **4:32:51**
